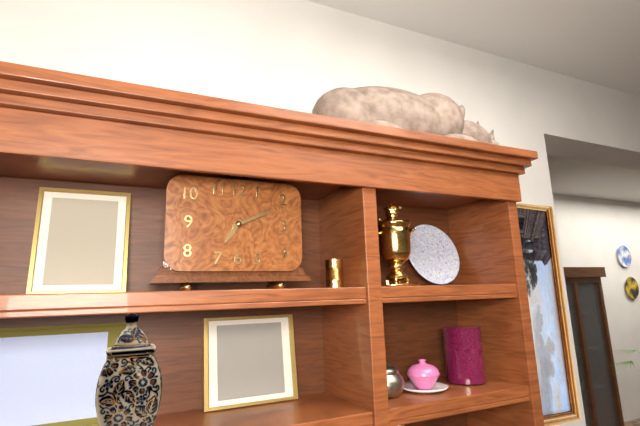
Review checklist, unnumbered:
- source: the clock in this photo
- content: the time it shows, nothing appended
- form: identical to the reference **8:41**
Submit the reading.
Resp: **7:11**
